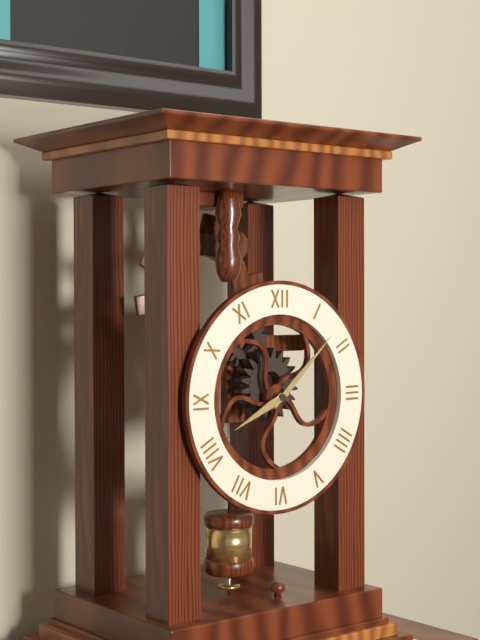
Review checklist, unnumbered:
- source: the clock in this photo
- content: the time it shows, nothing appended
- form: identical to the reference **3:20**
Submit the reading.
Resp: **8:08**
